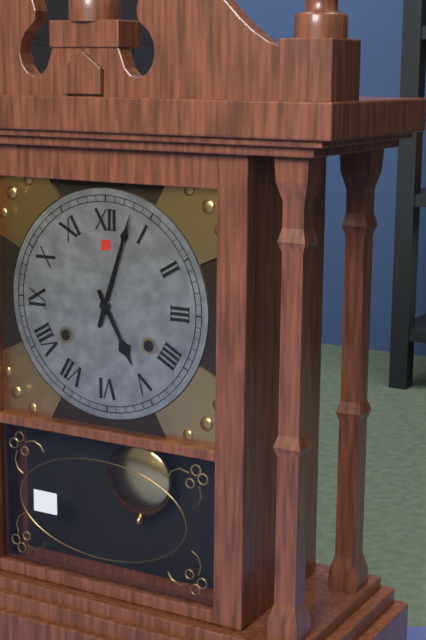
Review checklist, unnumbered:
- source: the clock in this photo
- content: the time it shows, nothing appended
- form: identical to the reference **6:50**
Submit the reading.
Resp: **5:03**
